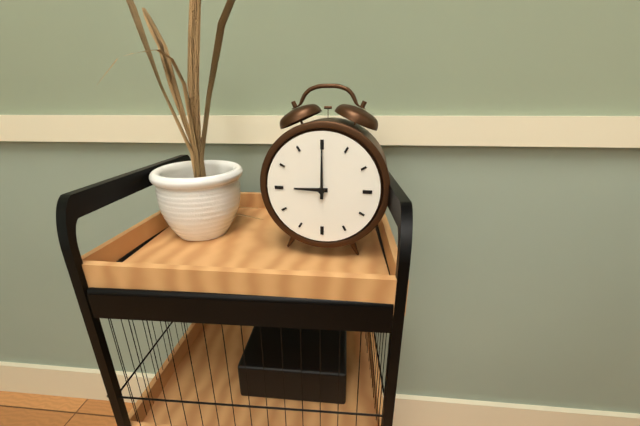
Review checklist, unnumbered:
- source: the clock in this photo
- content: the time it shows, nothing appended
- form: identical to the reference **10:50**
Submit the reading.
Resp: **9:00**
